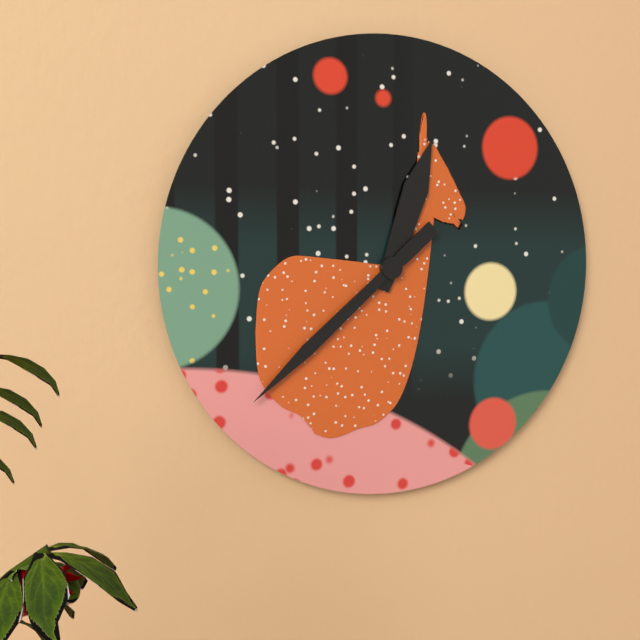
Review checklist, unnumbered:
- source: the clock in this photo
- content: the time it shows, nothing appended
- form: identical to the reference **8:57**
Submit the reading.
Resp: **12:38**
